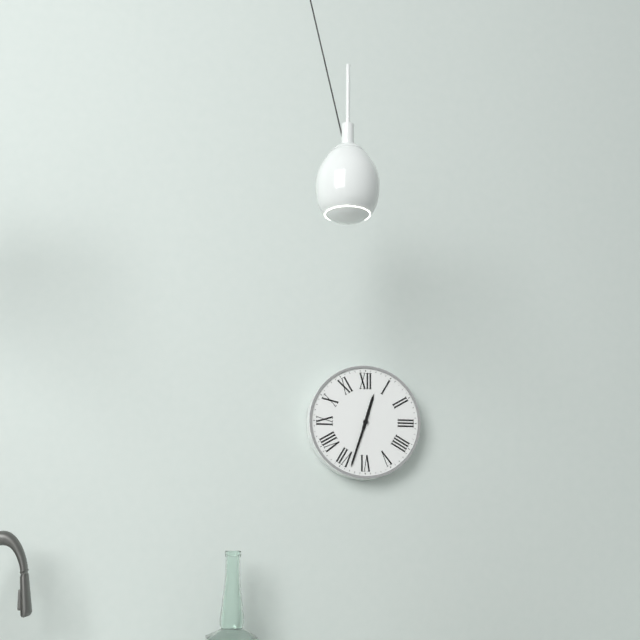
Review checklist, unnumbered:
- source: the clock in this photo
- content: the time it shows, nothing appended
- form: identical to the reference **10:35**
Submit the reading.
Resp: **12:33**
